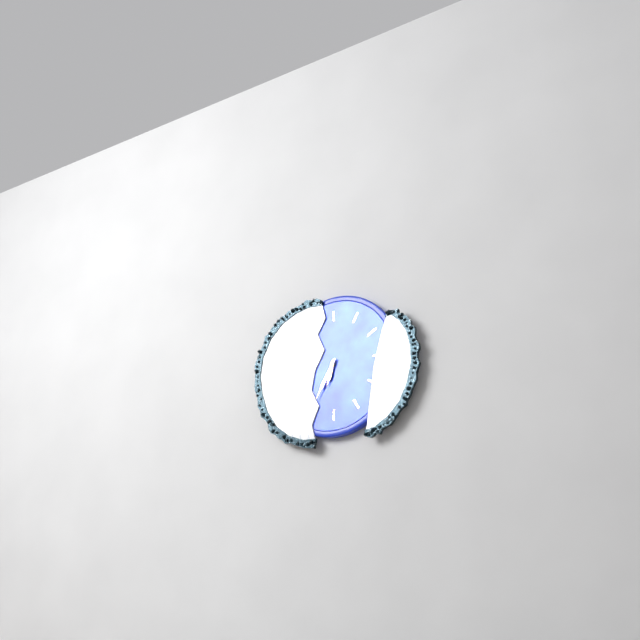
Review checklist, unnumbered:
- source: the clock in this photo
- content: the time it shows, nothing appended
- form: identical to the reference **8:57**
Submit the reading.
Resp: **6:35**
